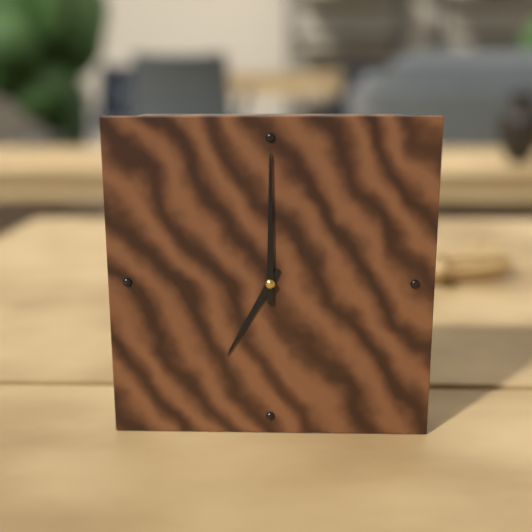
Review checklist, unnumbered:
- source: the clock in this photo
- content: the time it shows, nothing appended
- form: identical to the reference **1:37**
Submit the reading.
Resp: **7:00**
